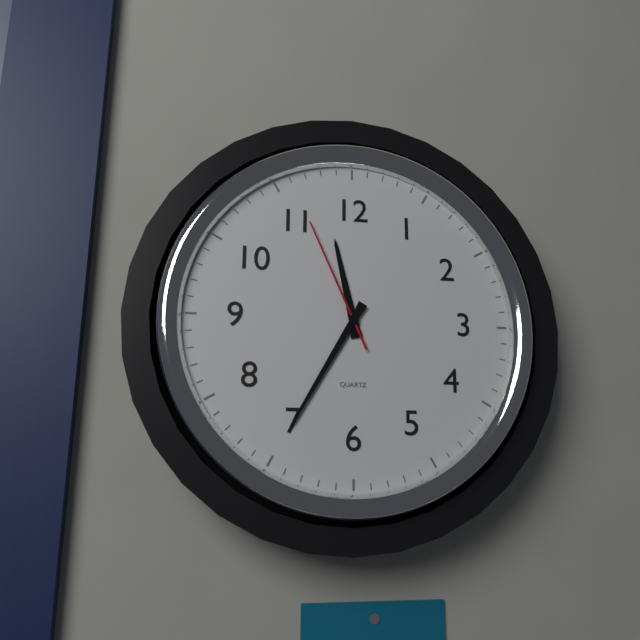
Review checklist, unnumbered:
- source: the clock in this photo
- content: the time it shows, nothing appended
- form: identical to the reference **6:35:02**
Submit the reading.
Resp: **11:35:56**
